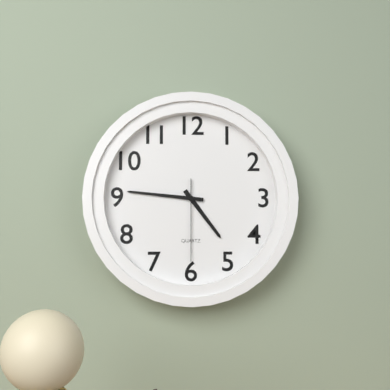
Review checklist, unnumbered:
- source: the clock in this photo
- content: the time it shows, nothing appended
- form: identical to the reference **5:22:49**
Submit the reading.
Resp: **4:46:30**
